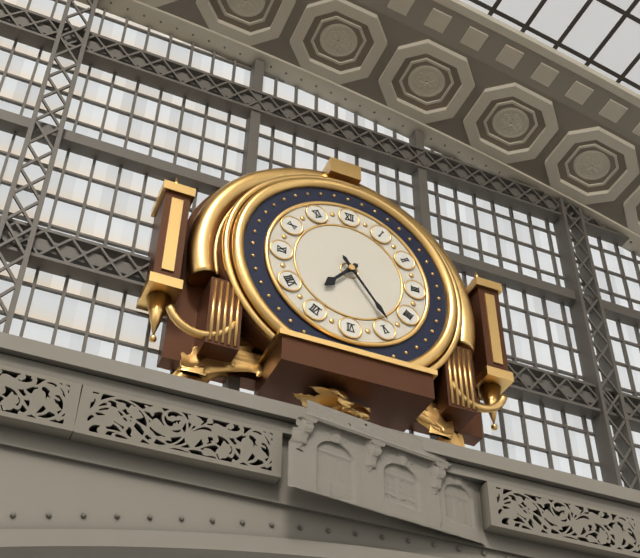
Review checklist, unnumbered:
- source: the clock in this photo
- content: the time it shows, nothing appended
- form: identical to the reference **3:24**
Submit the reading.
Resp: **7:24**
